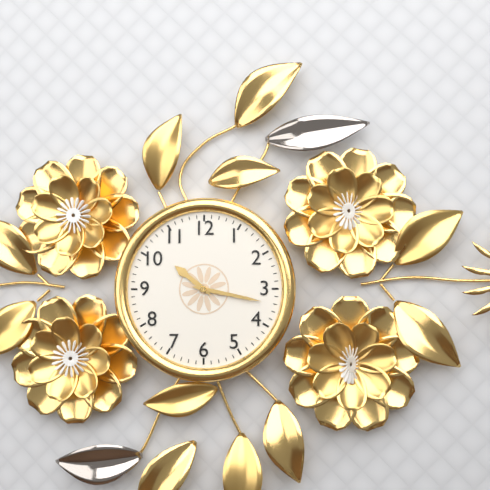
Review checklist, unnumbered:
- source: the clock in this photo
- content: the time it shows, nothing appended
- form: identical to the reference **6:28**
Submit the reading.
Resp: **10:17**
